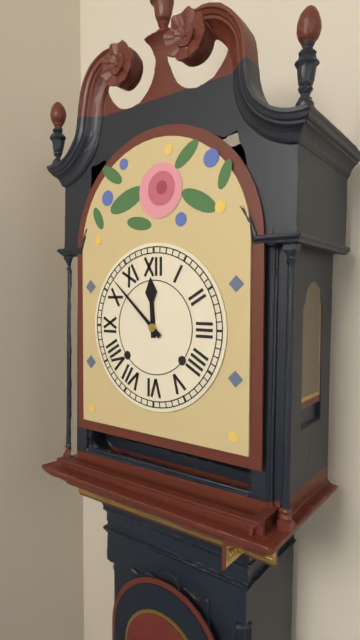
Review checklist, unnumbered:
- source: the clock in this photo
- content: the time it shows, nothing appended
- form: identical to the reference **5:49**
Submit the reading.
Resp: **11:52**
